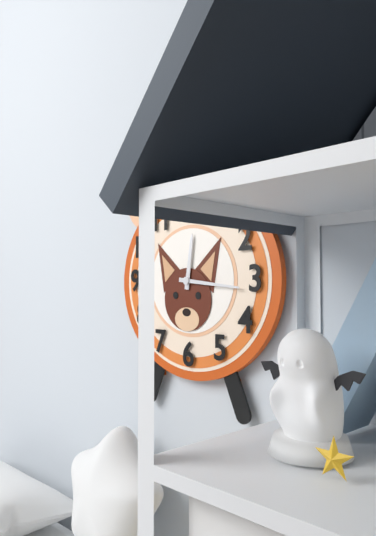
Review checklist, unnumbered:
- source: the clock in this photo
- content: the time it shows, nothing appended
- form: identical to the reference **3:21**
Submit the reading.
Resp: **12:16**
